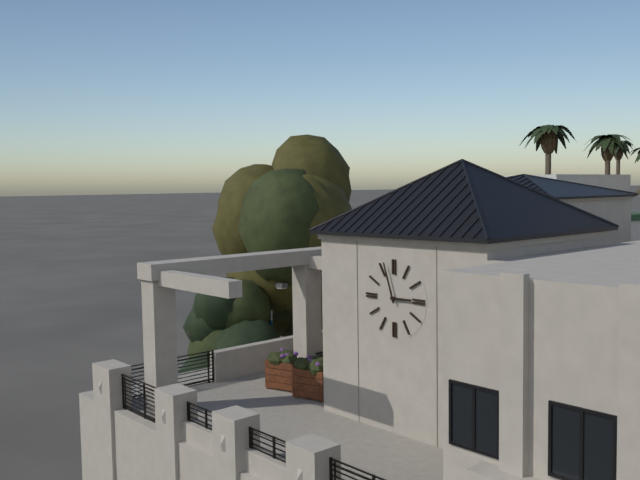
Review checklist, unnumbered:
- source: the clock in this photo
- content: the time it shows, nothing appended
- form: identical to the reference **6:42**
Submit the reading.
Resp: **2:57**
